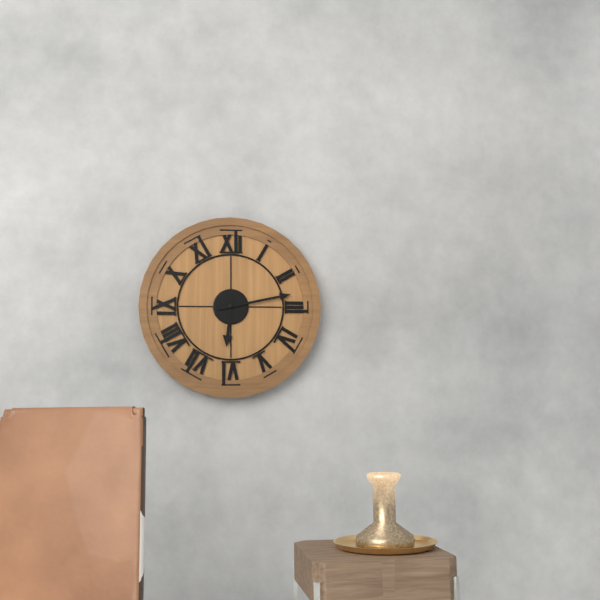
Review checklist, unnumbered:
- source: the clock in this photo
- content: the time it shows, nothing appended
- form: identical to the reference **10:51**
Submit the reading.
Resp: **6:13**
